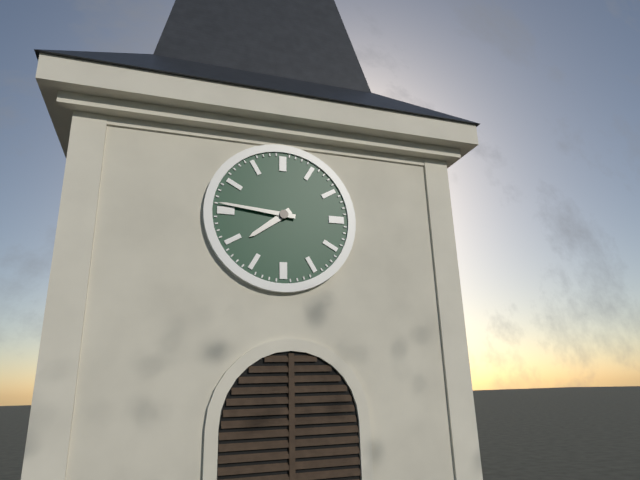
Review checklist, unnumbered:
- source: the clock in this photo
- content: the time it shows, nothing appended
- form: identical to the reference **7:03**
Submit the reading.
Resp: **7:46**
